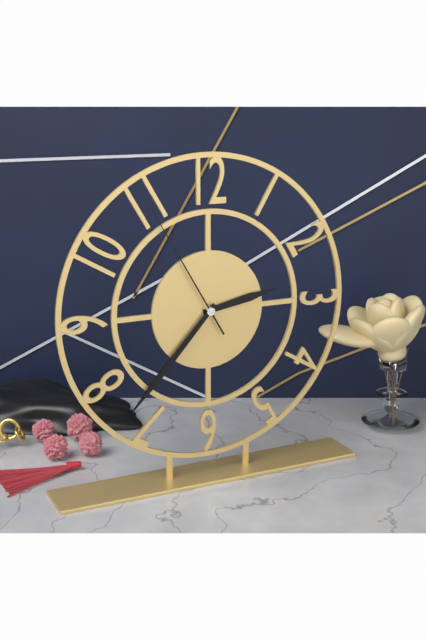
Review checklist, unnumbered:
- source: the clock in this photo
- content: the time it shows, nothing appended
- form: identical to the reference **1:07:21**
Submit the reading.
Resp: **2:37:55**
